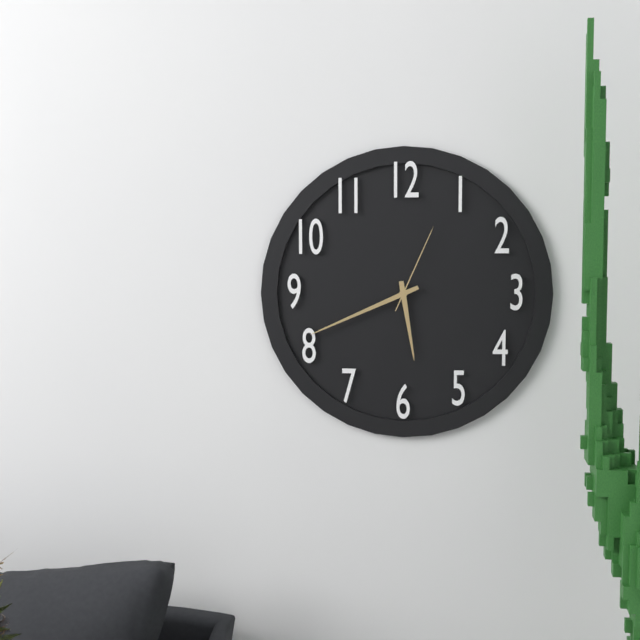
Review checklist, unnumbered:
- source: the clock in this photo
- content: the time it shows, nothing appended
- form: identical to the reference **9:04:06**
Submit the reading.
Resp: **5:41:04**
